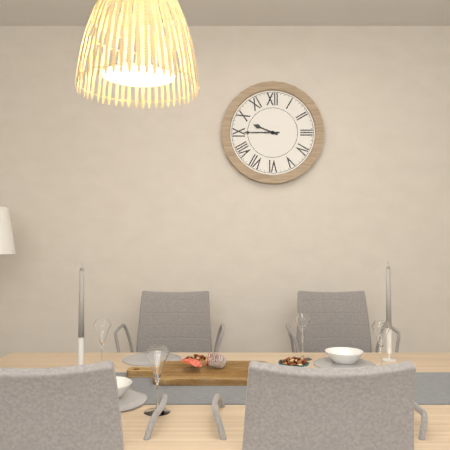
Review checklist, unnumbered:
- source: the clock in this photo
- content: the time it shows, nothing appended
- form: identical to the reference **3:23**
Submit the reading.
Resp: **9:45**
